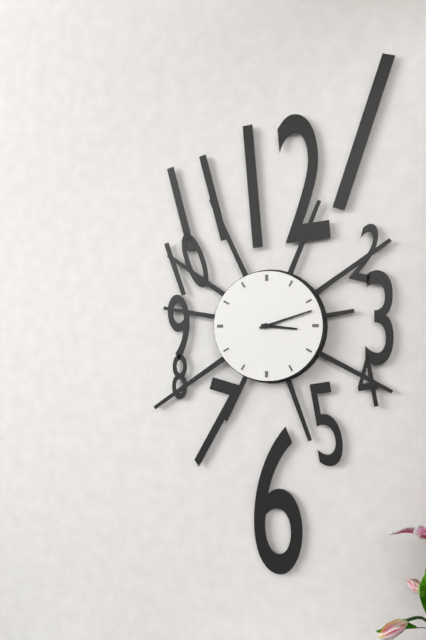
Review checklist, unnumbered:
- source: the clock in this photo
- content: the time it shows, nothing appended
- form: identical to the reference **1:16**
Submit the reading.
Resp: **3:12**
